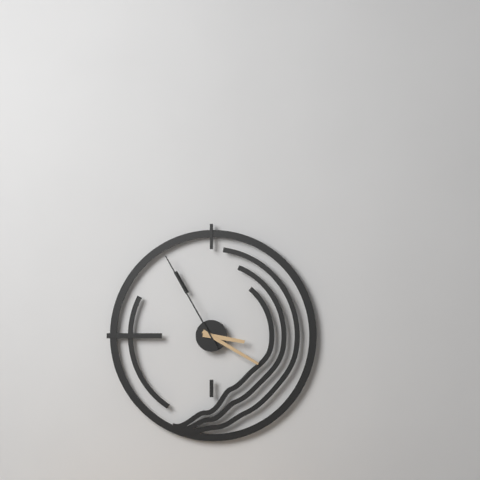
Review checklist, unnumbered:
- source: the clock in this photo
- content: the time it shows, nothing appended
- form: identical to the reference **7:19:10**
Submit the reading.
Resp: **3:20:55**
